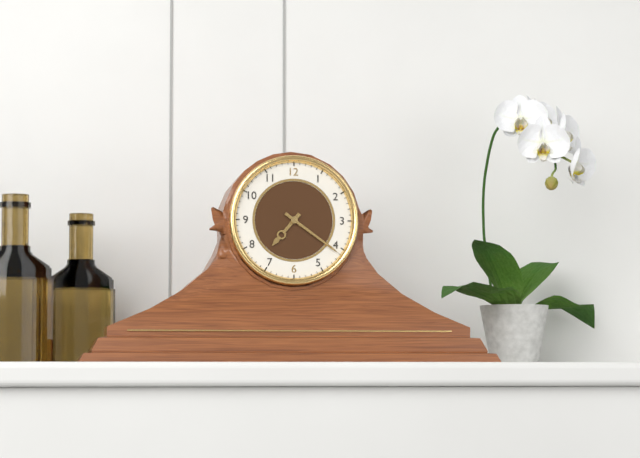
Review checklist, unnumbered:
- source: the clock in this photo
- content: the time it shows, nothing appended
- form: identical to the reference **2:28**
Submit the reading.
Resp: **7:21**
